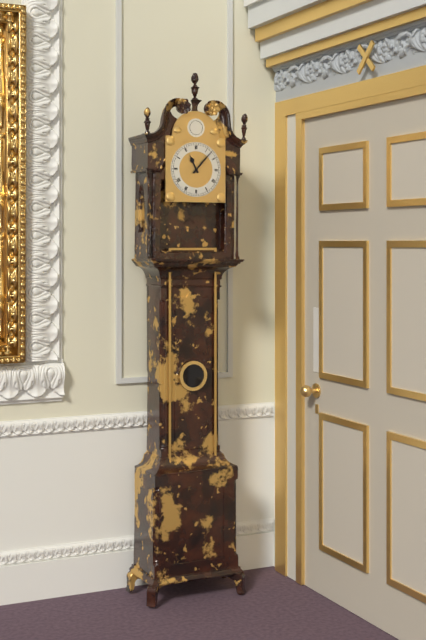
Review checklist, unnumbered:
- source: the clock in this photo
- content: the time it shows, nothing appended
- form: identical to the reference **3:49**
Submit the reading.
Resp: **11:07**
